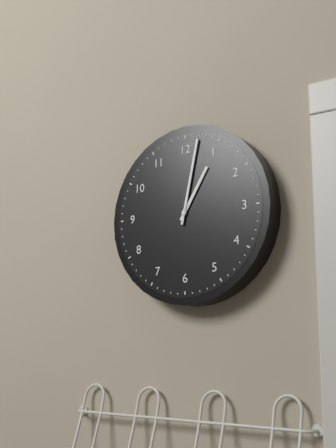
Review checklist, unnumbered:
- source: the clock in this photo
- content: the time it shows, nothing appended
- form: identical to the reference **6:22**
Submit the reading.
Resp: **1:02**
